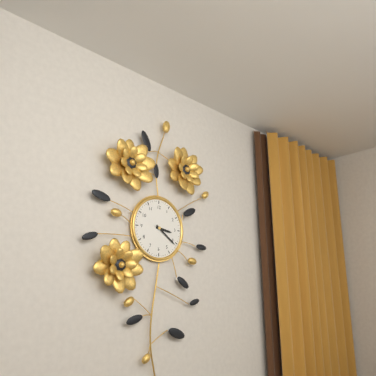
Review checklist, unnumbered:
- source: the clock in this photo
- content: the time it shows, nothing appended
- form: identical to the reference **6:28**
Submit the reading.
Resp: **3:21**
